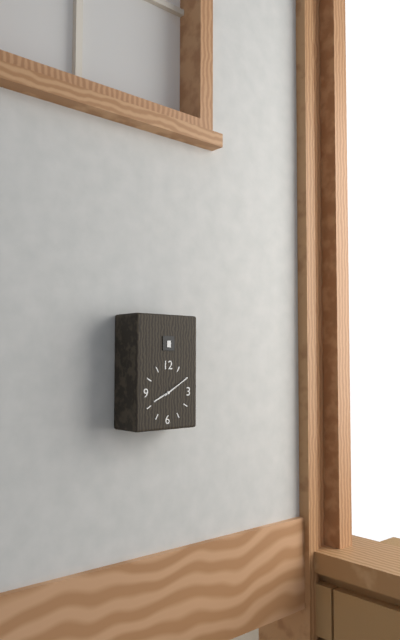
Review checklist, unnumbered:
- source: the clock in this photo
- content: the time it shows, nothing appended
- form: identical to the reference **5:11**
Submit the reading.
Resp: **8:10**
